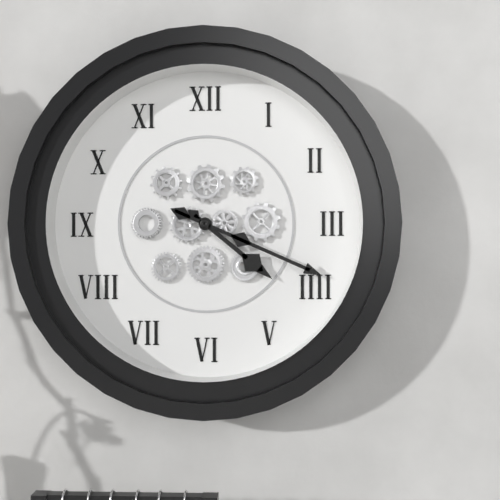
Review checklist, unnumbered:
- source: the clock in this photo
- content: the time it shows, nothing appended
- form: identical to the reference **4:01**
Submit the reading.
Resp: **4:19**
